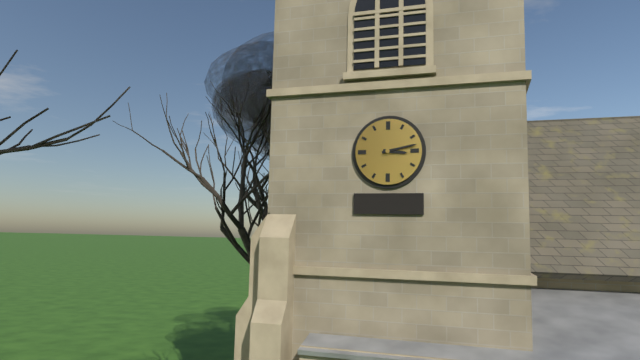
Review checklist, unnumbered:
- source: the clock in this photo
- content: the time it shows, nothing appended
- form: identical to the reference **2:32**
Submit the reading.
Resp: **3:13**
